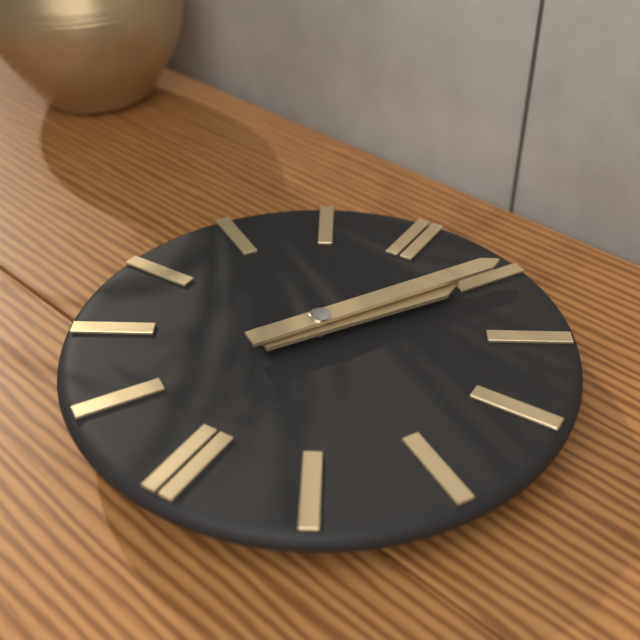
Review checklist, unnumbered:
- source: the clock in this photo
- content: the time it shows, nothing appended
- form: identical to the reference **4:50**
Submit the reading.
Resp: **1:05**
